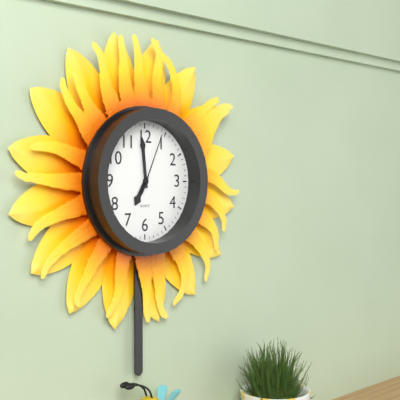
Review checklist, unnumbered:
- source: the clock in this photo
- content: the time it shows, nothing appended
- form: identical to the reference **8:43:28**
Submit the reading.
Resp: **6:59:04**
